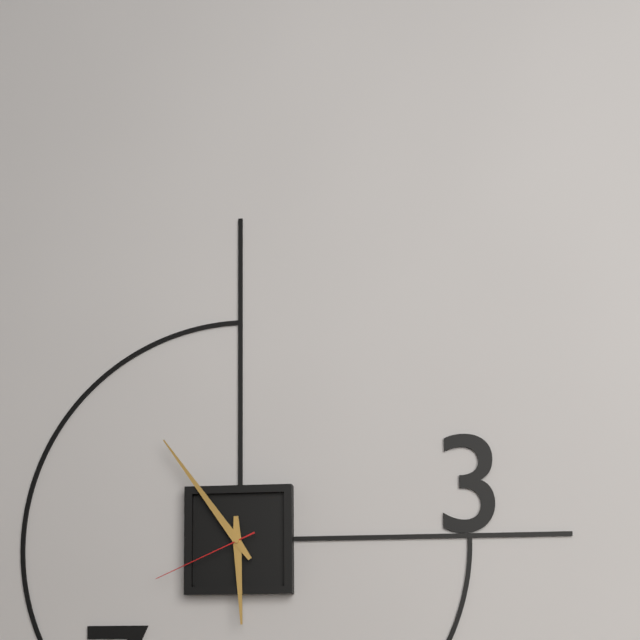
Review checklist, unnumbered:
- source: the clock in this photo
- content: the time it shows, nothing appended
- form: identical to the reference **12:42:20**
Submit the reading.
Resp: **5:54:41**
